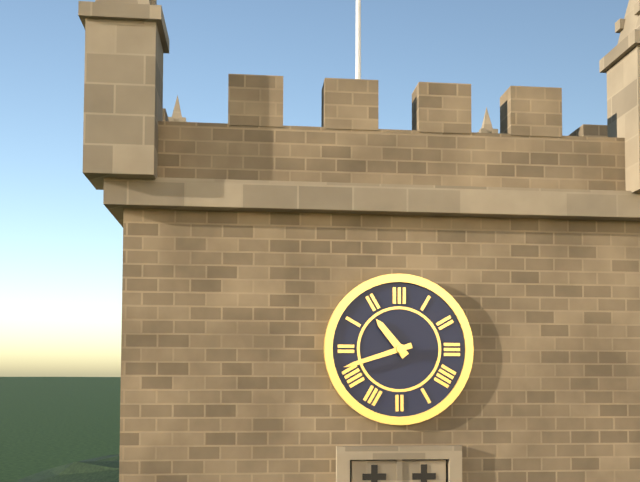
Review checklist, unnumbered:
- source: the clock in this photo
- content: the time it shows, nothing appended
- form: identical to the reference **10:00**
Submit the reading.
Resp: **10:42**
